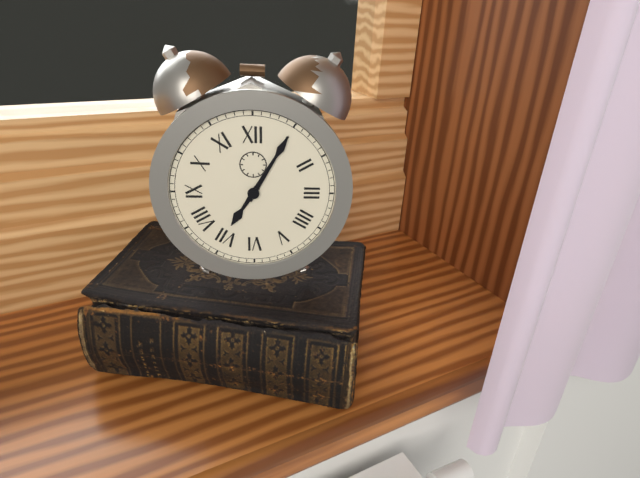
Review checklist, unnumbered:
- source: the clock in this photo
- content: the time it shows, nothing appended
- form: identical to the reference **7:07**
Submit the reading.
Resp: **7:05**
